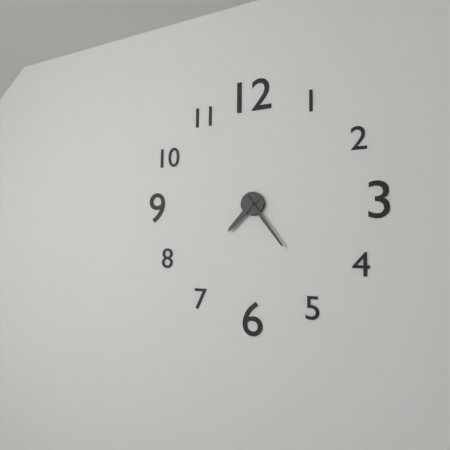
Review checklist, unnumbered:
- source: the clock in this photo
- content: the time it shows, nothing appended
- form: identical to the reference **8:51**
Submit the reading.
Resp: **7:24**
